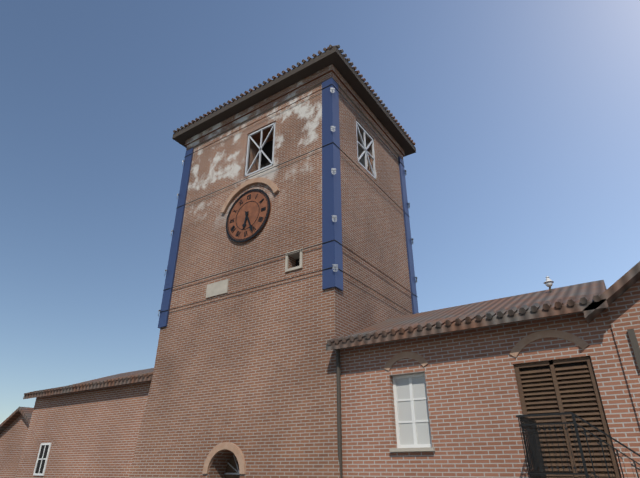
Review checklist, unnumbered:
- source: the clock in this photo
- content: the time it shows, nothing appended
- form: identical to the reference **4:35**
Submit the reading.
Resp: **6:26**
